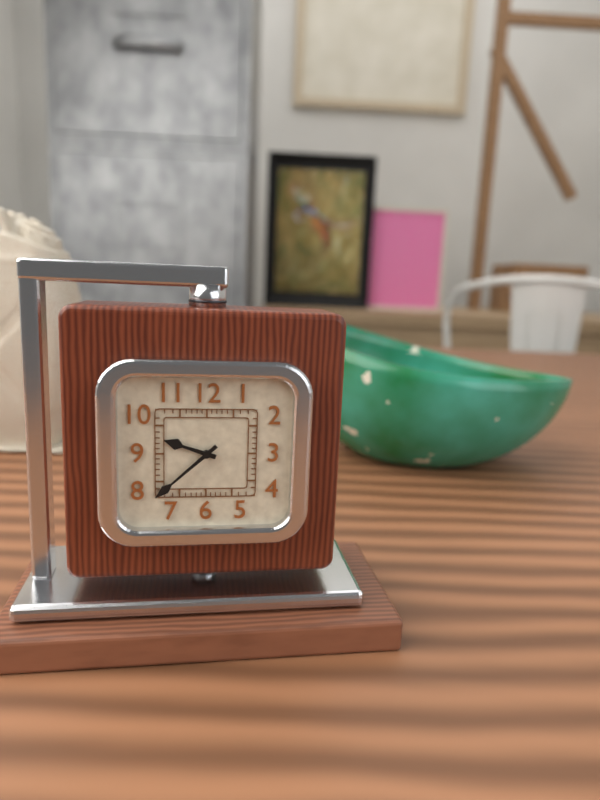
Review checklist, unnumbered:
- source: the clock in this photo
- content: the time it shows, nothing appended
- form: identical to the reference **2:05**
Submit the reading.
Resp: **9:38**
